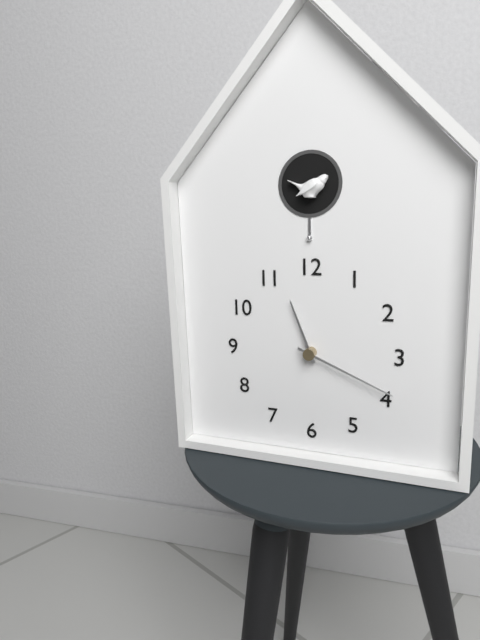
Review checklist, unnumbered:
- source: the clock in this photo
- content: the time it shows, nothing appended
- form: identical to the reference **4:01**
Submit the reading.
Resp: **11:19**
